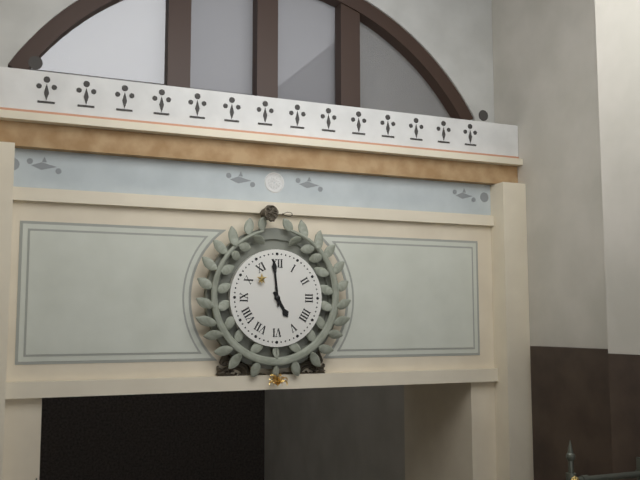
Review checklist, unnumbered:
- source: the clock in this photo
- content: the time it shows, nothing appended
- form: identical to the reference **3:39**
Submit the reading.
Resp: **4:59**
